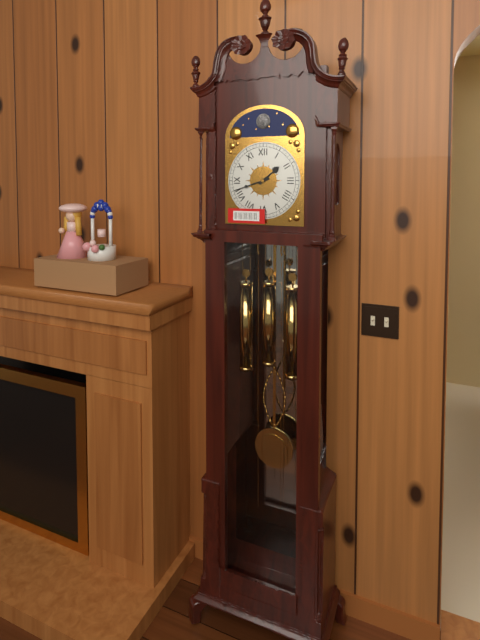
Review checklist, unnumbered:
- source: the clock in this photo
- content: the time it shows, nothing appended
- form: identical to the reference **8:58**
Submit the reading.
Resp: **1:42**
